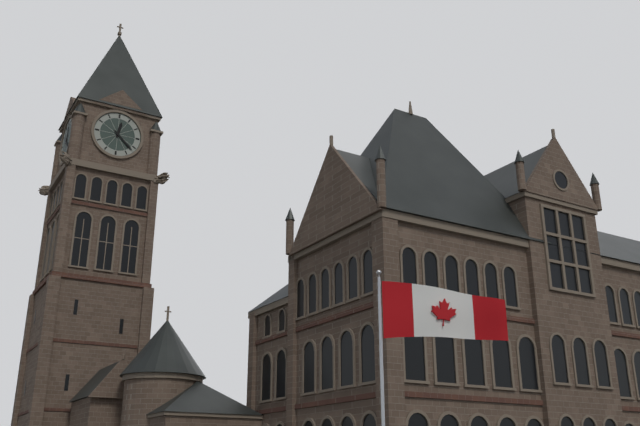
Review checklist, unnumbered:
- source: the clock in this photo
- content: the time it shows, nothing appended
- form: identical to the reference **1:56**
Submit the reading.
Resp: **12:22**
